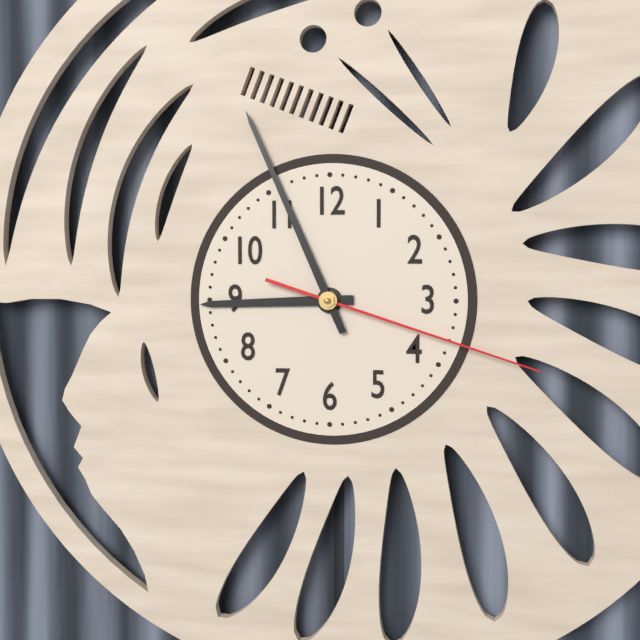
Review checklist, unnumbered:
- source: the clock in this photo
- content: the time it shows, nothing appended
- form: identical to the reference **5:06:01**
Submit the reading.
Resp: **8:56:18**
